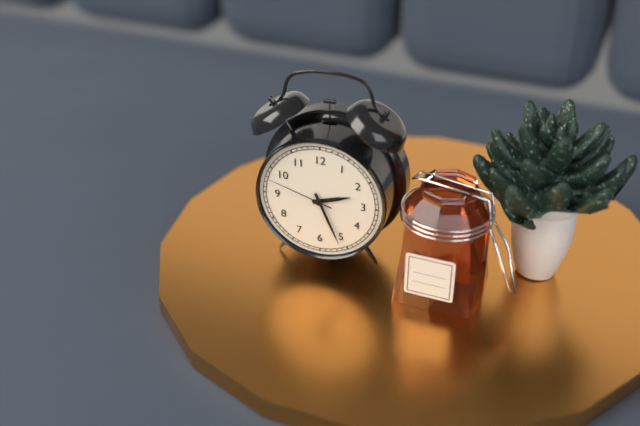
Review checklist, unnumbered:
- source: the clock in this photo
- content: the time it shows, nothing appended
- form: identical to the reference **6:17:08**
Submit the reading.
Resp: **2:26:48**
